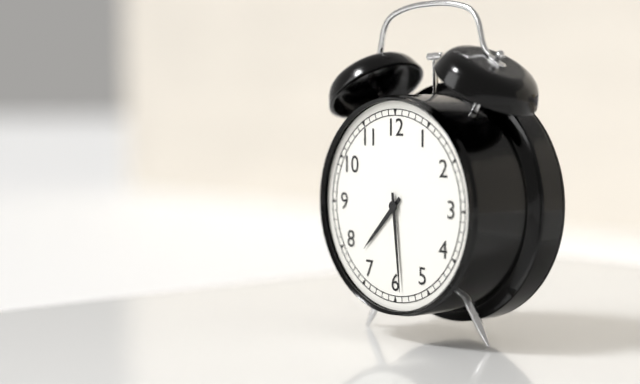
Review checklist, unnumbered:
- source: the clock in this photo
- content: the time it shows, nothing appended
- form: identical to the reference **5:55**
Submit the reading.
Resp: **7:29**
